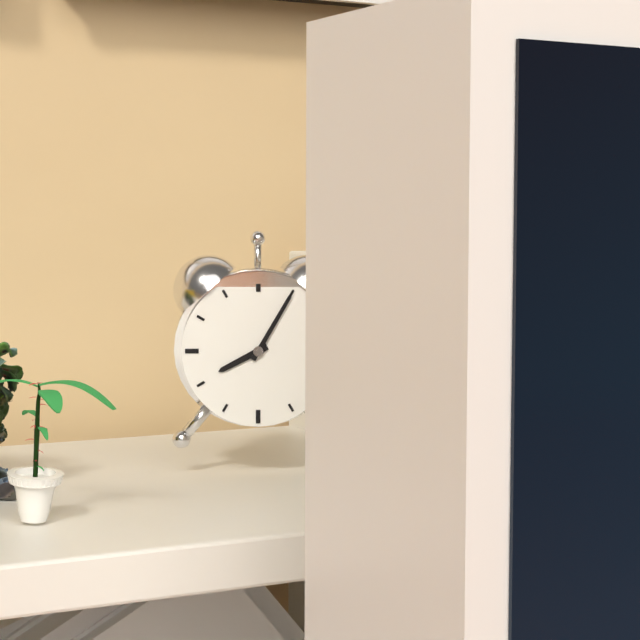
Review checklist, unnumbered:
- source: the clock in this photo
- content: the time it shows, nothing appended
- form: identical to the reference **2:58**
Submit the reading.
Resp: **8:05**
